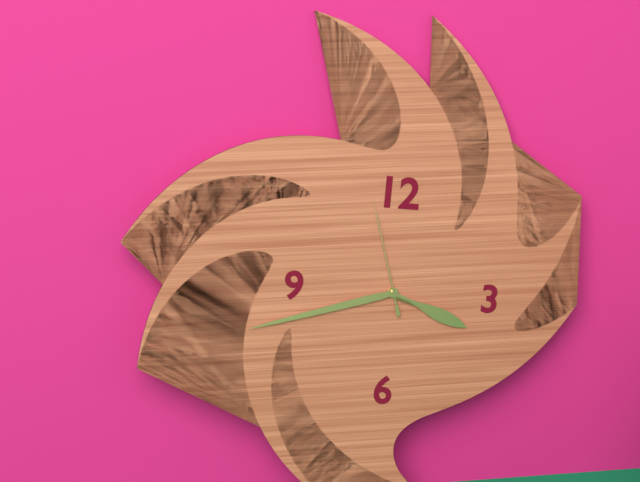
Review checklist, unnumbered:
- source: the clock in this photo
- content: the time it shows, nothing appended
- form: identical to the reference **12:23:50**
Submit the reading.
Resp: **3:42:57**
